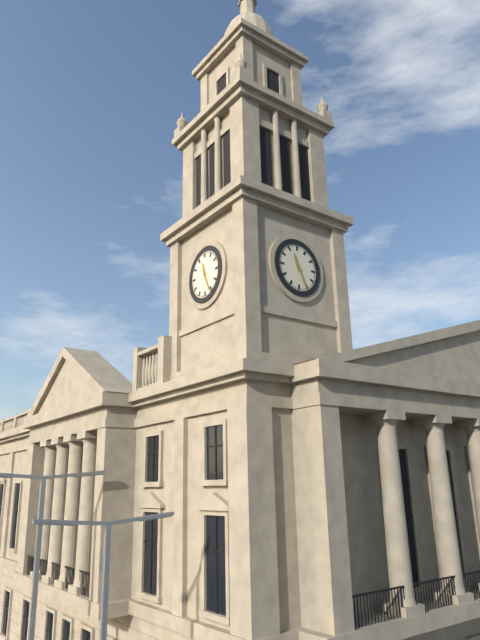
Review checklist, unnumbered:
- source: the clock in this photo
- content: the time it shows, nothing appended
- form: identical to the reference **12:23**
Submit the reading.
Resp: **11:26**
